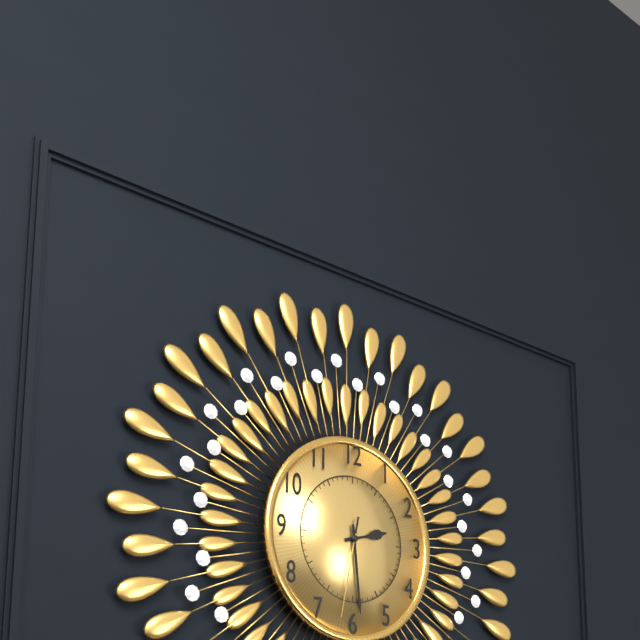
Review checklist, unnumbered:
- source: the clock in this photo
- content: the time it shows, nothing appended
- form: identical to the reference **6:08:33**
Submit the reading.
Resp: **2:29:32**
